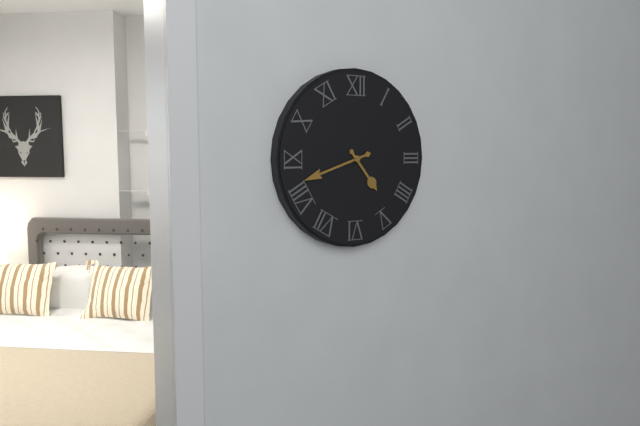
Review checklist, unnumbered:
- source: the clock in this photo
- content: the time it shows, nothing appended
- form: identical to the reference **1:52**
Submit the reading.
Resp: **4:42**
